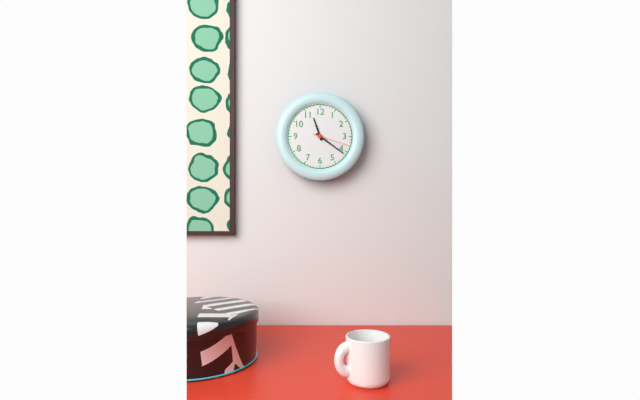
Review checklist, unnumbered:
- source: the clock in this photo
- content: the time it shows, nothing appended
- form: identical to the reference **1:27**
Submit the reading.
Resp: **11:21**
